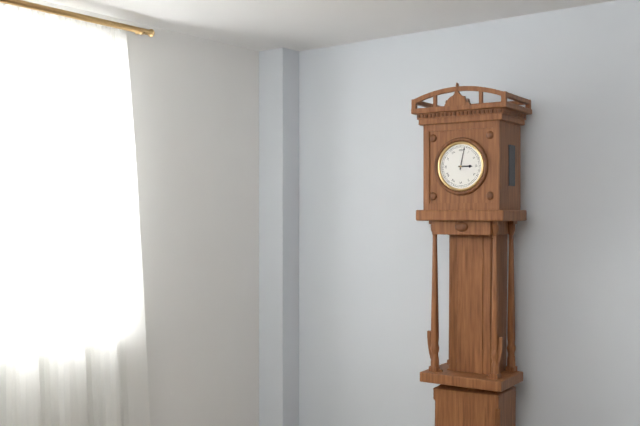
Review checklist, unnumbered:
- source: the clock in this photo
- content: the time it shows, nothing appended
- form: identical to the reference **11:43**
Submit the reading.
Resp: **3:02**
